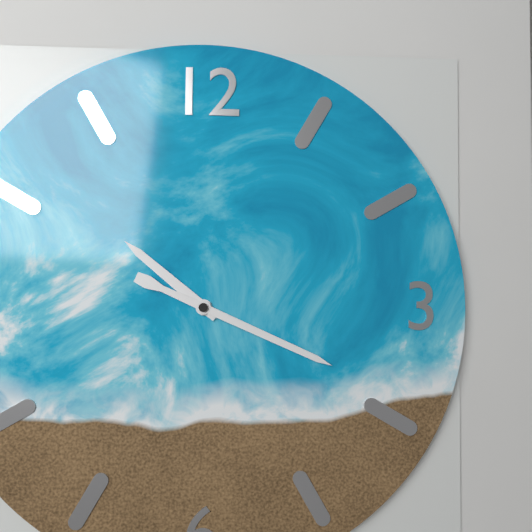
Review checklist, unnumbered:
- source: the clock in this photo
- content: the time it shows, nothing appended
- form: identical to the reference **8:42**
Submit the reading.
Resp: **10:19**
